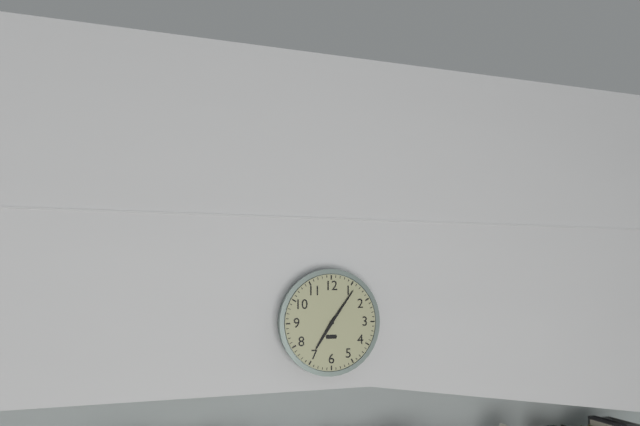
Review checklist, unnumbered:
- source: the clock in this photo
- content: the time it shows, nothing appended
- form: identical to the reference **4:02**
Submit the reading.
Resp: **7:06**
